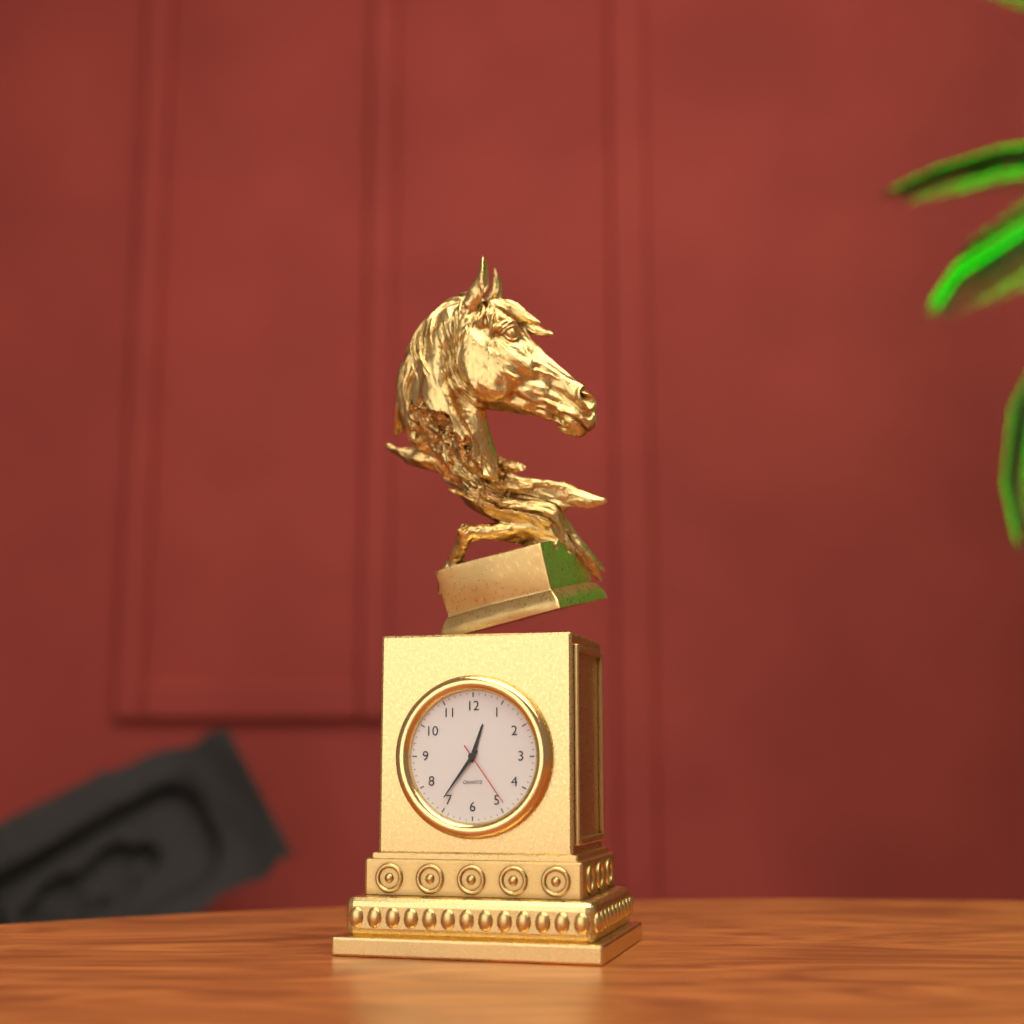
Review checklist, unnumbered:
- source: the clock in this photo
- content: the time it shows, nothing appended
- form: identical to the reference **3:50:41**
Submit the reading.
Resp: **12:36:24**
